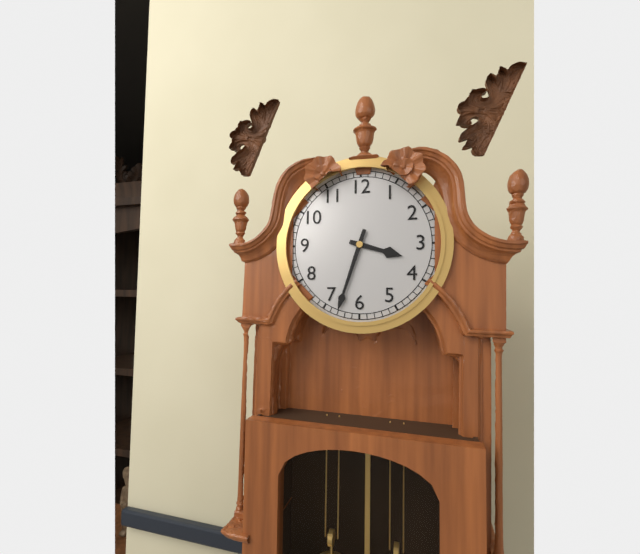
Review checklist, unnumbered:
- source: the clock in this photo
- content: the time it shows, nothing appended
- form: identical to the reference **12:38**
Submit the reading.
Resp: **3:33**
